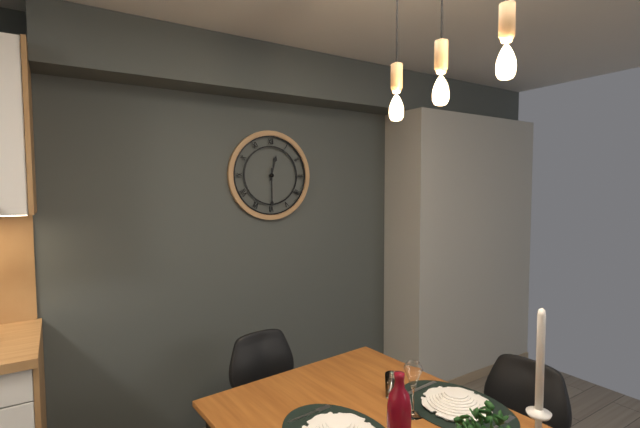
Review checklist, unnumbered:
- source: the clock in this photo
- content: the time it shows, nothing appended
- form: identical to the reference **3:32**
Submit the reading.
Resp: **12:30**
